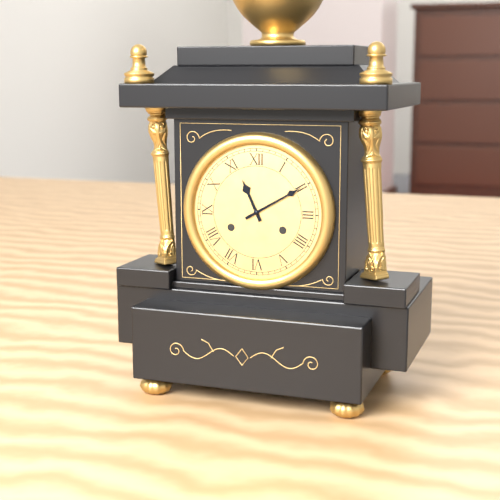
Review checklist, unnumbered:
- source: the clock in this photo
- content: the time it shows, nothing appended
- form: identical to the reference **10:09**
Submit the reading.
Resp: **11:10**
